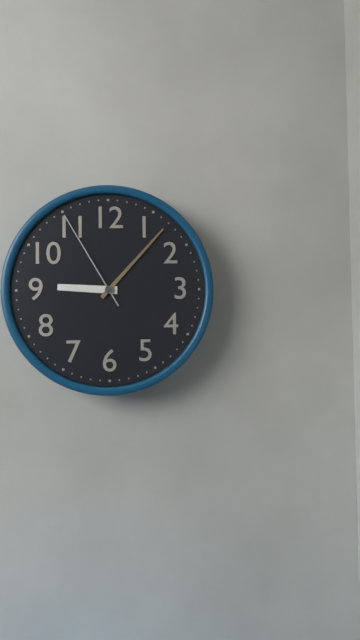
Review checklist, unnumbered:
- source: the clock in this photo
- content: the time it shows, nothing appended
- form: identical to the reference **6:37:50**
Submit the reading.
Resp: **9:07:55**
